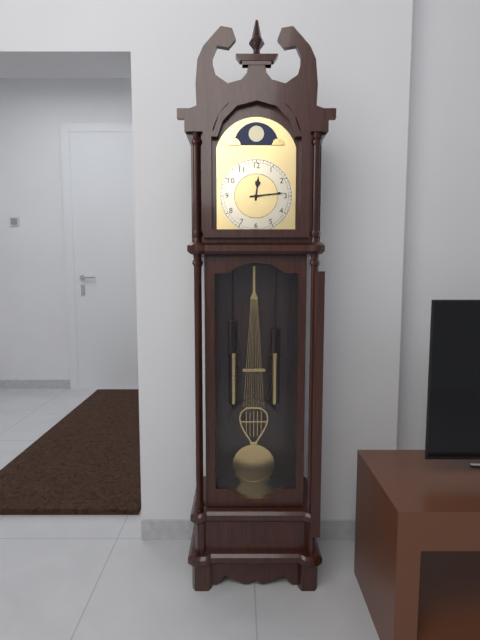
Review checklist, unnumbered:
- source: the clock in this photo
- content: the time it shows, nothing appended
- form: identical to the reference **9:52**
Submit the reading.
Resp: **12:14**
